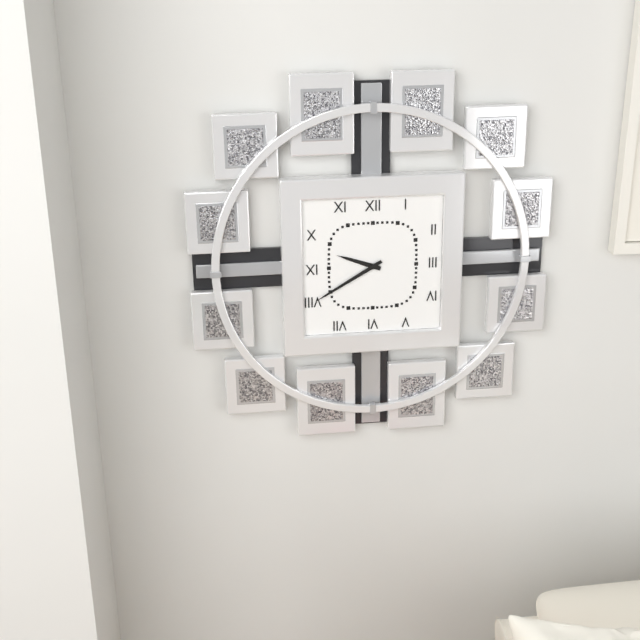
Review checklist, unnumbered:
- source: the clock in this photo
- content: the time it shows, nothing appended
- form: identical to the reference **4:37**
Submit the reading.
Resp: **9:40**
